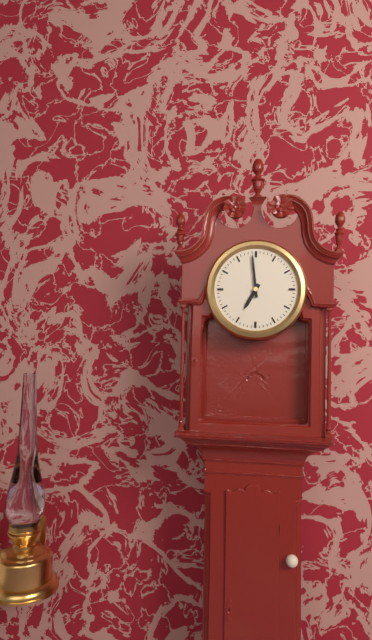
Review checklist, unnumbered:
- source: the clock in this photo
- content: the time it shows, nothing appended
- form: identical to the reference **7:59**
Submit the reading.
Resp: **6:59**
